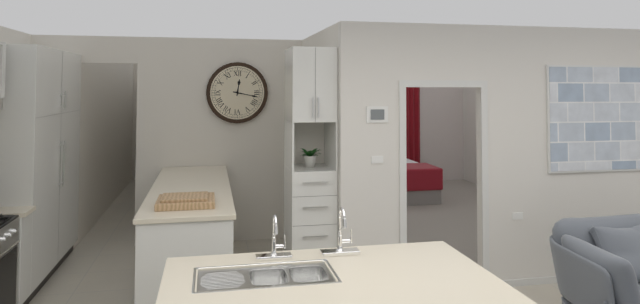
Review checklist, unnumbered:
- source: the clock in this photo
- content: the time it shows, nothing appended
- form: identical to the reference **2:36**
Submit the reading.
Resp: **12:17**
